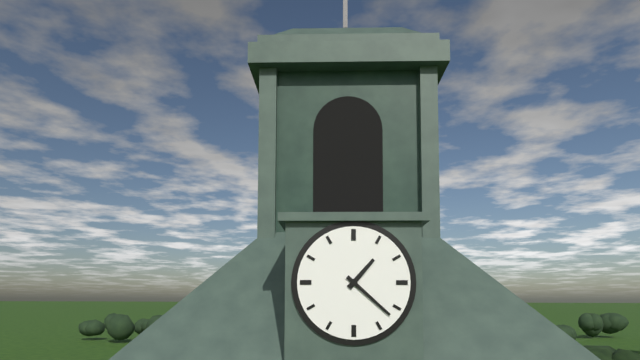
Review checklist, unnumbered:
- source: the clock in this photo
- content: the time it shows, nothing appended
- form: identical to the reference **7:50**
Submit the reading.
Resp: **1:22**
